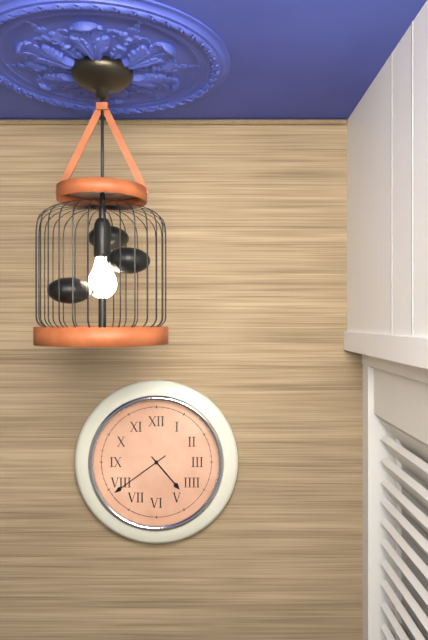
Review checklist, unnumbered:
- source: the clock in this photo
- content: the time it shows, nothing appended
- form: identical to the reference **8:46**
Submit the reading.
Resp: **4:39**
